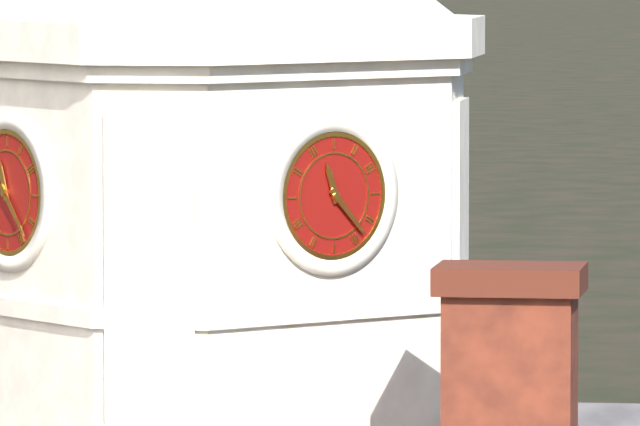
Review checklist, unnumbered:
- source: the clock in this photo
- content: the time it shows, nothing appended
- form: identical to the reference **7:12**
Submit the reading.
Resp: **11:23**
